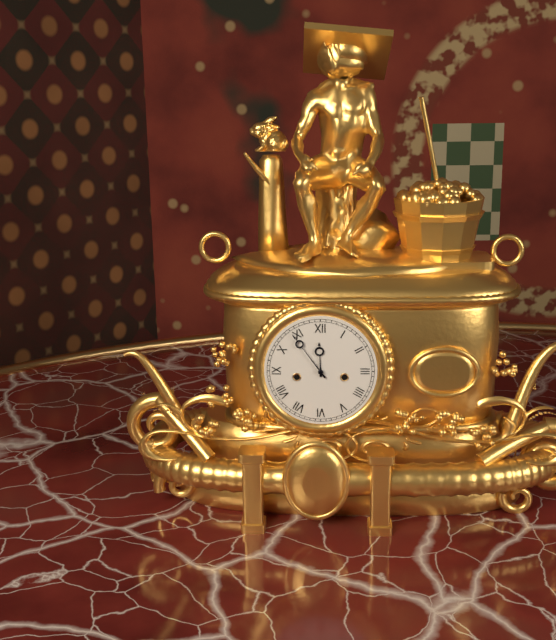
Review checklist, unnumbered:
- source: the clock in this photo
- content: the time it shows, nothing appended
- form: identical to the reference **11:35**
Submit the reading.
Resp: **11:54**
